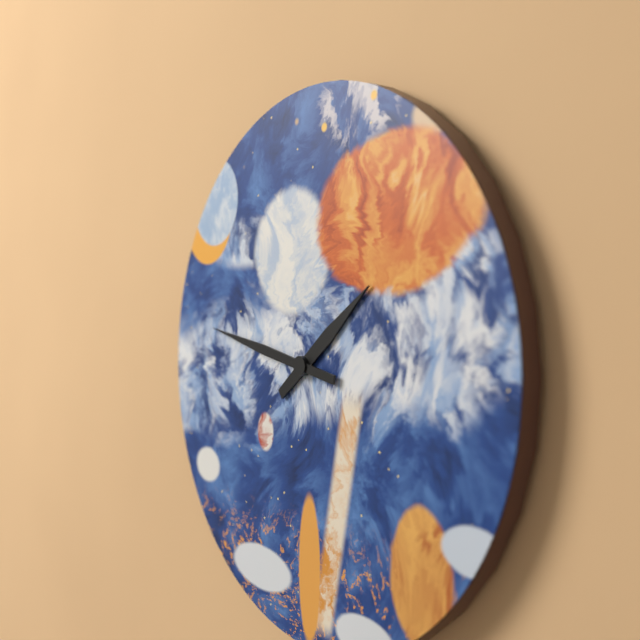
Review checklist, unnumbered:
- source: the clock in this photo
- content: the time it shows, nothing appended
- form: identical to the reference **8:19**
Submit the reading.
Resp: **1:47**
